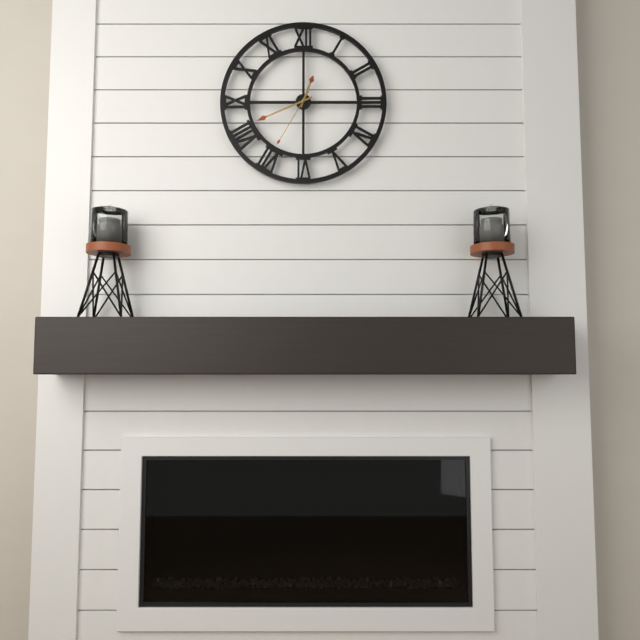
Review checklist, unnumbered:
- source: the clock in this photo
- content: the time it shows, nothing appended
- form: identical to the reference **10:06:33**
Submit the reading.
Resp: **12:41:35**
